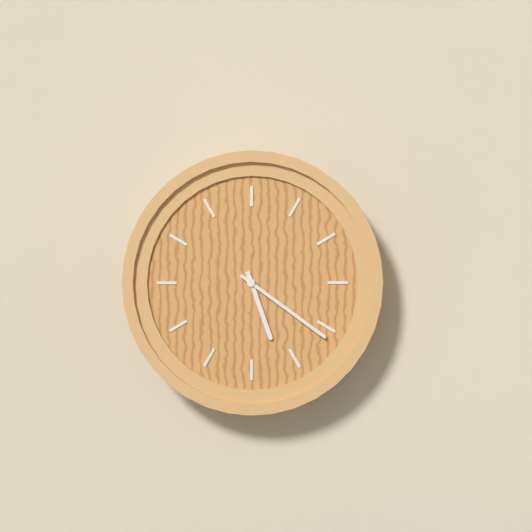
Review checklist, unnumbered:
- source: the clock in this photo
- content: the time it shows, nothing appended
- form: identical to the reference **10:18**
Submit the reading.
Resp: **5:21**
